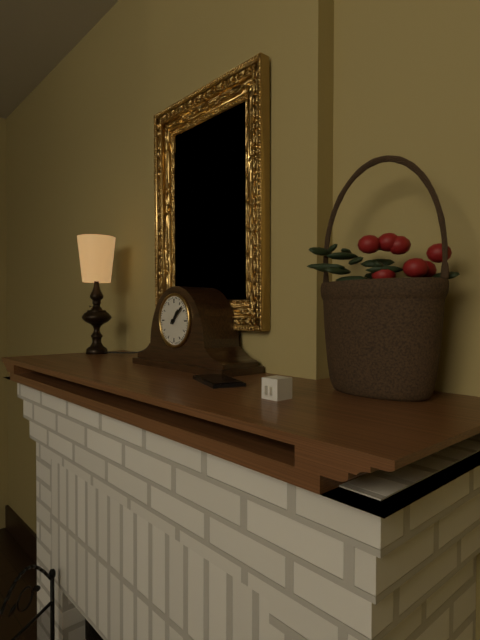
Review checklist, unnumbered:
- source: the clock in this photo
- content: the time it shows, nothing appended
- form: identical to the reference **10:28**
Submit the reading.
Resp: **1:08**
